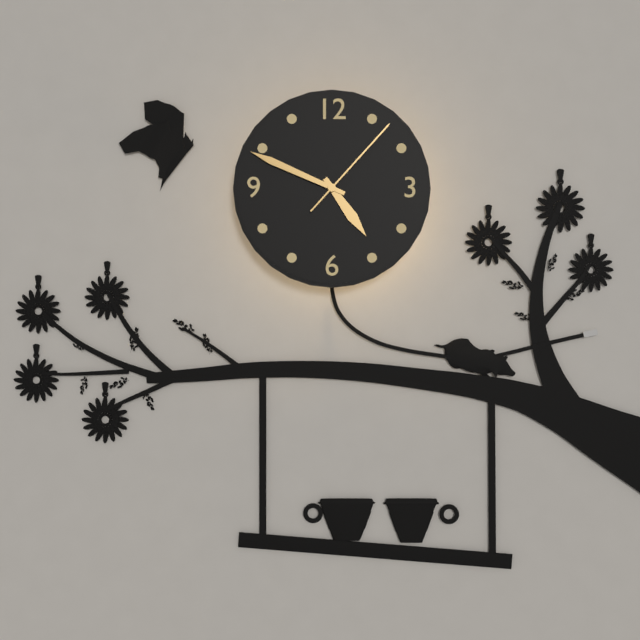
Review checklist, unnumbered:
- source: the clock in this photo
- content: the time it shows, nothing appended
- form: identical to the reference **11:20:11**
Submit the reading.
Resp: **4:49:07**
